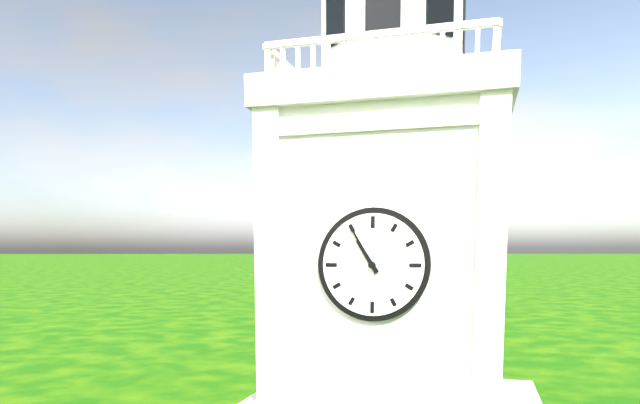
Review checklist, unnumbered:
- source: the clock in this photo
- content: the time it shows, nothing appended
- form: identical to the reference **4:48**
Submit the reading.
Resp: **10:55**
